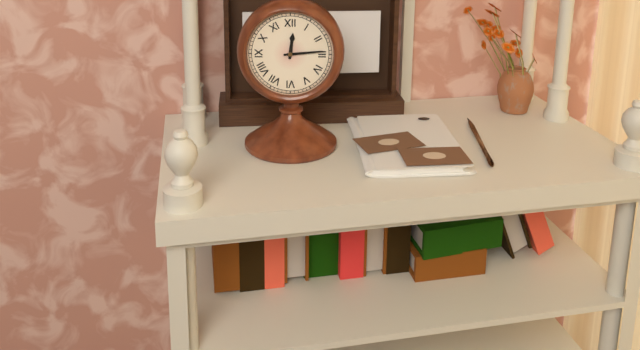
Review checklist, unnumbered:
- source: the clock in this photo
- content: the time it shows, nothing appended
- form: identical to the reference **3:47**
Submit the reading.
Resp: **12:14**
